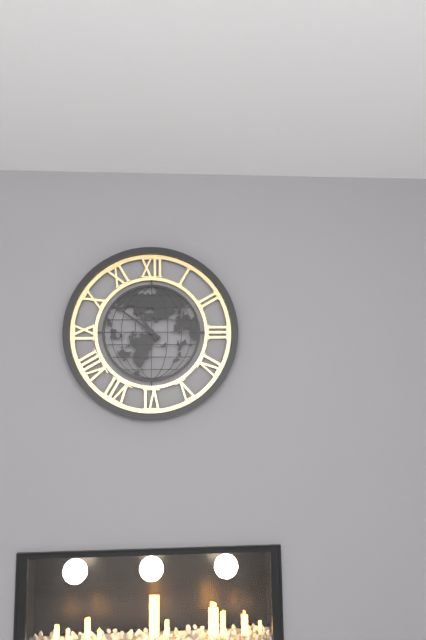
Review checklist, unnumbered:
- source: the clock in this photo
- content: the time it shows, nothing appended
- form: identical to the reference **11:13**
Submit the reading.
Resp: **10:51**
